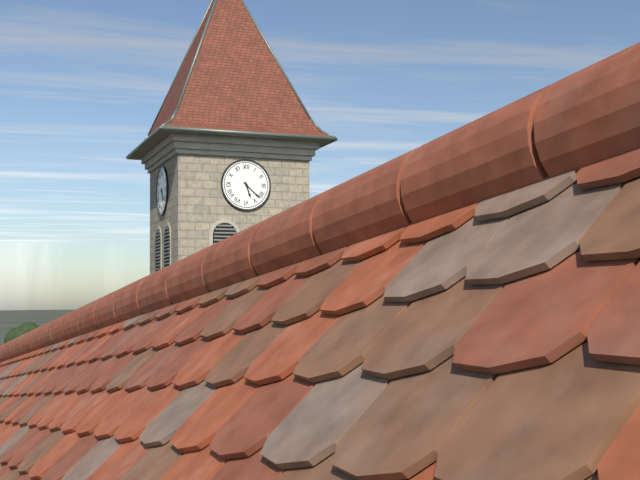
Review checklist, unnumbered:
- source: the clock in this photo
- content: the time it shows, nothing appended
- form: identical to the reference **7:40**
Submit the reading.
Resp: **5:22**
